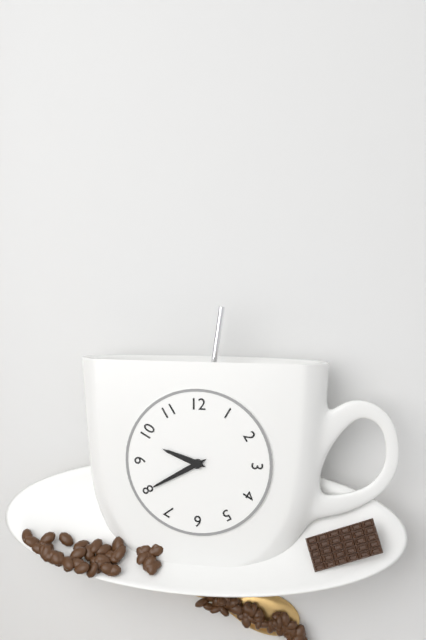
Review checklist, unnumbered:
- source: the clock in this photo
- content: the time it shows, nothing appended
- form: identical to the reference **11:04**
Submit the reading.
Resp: **9:40**
